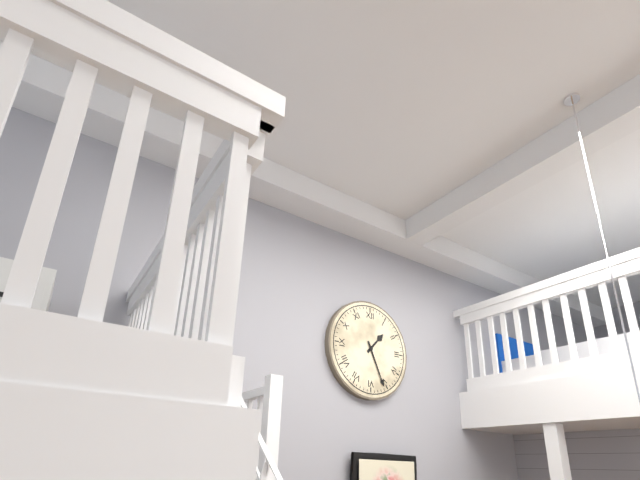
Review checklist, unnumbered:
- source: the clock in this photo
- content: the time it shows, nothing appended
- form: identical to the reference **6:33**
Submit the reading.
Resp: **1:26**
